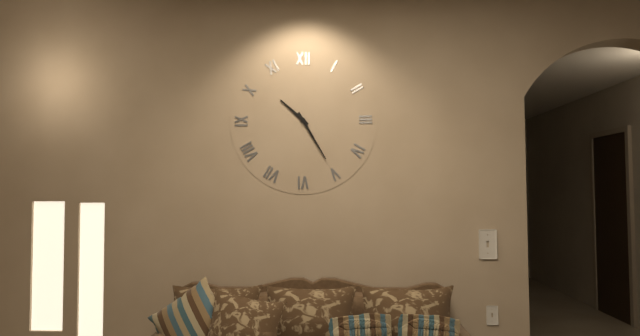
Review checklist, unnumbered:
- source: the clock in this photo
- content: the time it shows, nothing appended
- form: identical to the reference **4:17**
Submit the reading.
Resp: **10:25**
